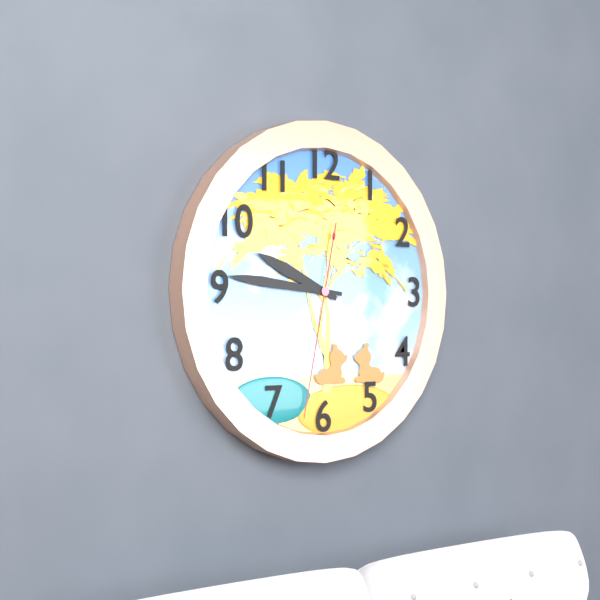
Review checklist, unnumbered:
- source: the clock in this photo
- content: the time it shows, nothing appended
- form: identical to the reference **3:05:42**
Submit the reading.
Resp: **9:46:32**
